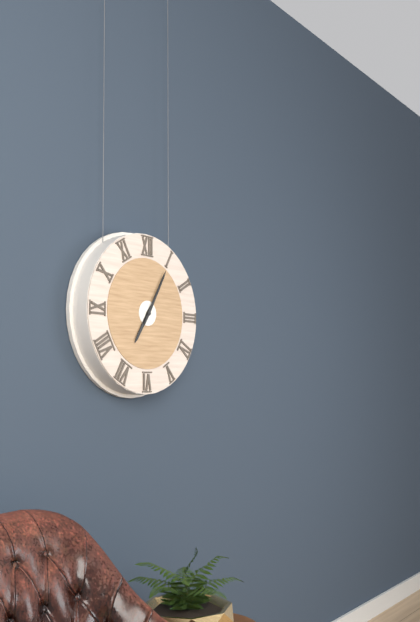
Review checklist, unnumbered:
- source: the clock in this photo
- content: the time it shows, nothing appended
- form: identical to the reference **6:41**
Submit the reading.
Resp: **7:05**
